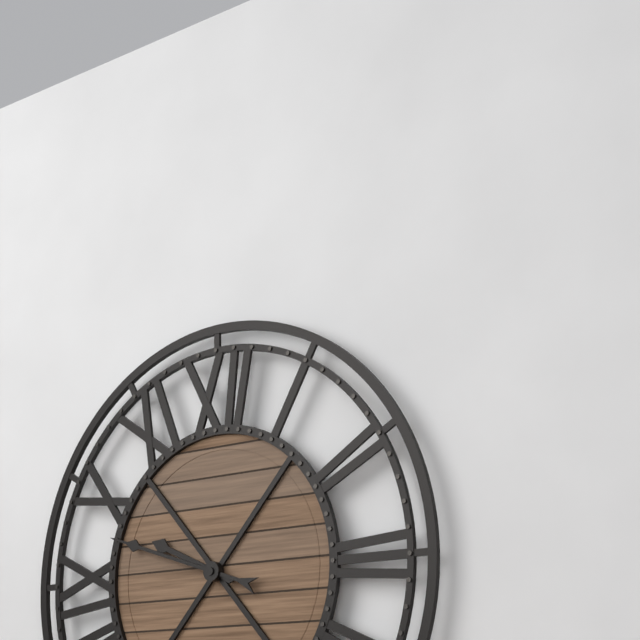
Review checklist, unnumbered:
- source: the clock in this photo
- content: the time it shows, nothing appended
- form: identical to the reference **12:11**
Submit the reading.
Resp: **9:48**
